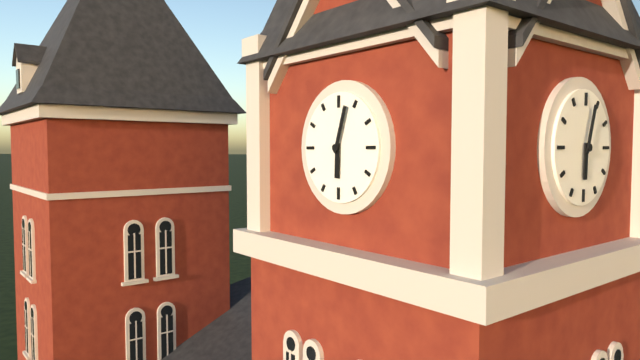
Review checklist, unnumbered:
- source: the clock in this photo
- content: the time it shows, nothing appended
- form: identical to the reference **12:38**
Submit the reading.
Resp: **6:03**
